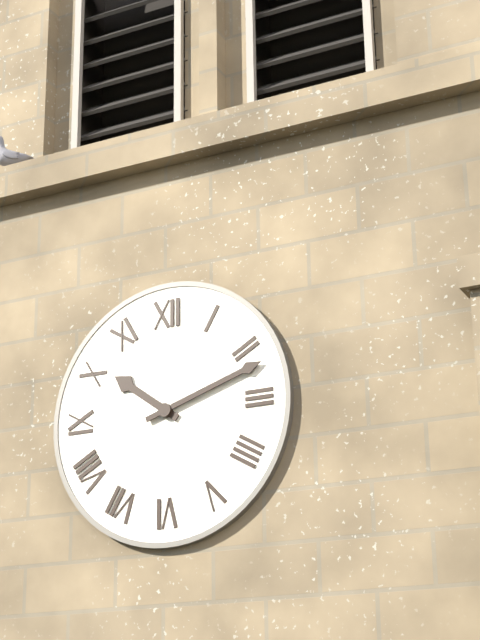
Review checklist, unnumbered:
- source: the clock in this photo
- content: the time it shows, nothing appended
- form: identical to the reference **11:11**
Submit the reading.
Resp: **10:12**
